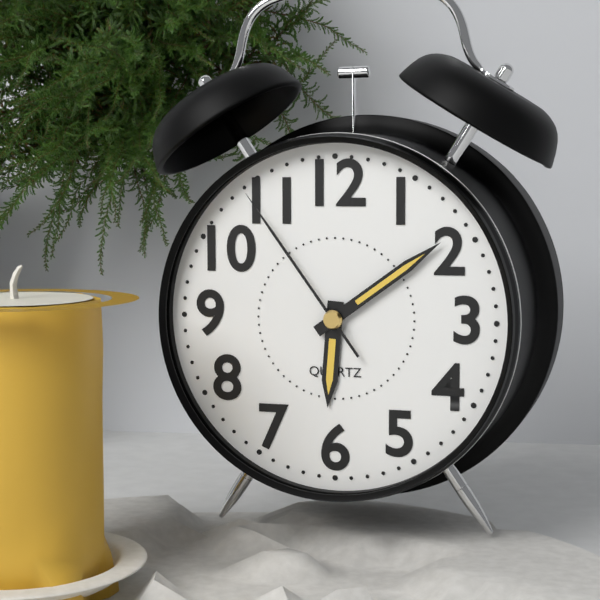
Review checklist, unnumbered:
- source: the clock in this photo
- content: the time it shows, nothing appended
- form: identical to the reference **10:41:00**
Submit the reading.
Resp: **6:09:54**
